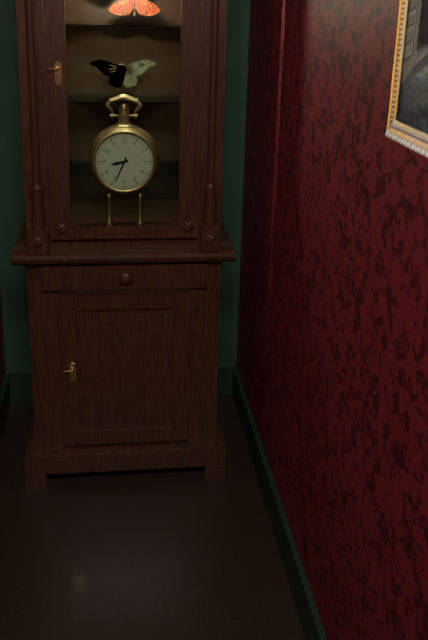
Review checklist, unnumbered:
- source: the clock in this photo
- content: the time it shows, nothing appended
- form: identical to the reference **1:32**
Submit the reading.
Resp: **8:34**
